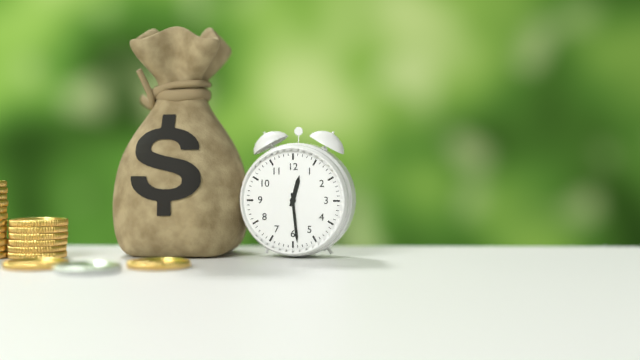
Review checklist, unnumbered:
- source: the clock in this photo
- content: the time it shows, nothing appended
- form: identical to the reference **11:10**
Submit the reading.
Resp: **12:29**
